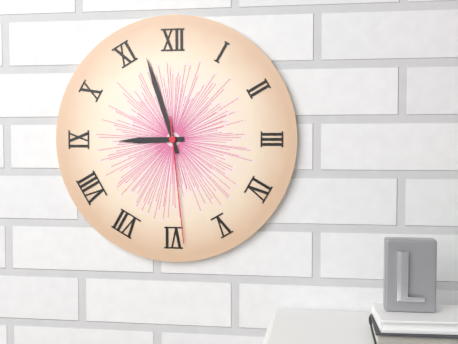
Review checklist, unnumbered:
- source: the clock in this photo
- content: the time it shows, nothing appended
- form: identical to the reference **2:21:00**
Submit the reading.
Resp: **8:57:29**
